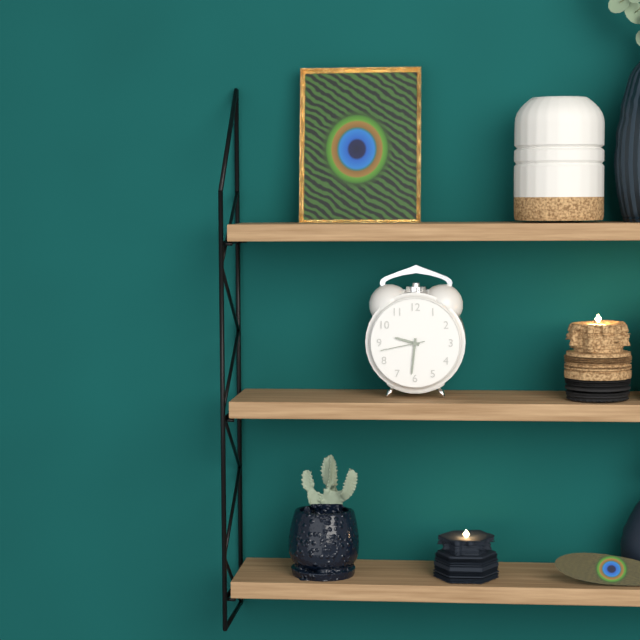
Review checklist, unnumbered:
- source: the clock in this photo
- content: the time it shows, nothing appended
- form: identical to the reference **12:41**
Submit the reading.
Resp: **9:31**
